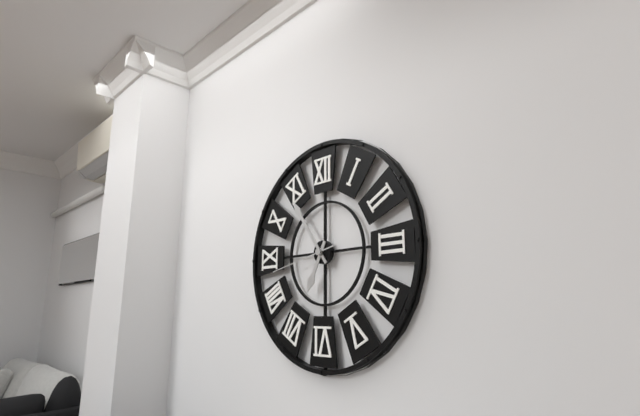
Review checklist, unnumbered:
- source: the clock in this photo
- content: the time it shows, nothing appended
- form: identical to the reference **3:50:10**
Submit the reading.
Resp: **6:54:43**
